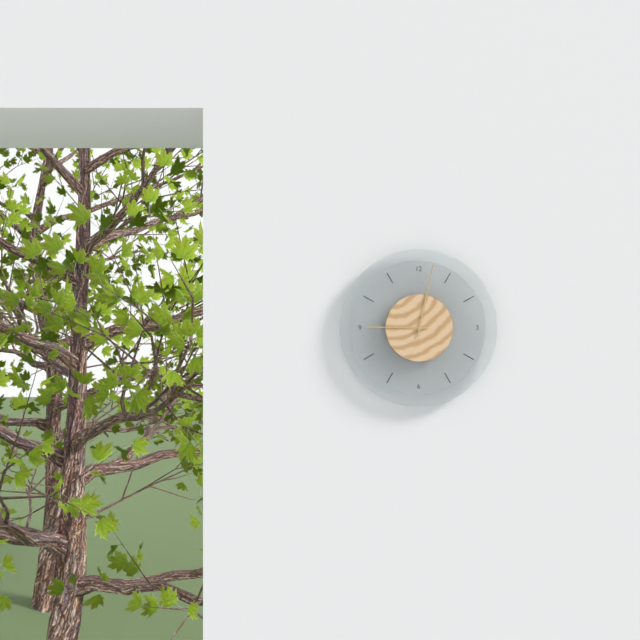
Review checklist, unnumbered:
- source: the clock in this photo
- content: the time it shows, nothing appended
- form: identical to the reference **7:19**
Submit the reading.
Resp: **9:02**
